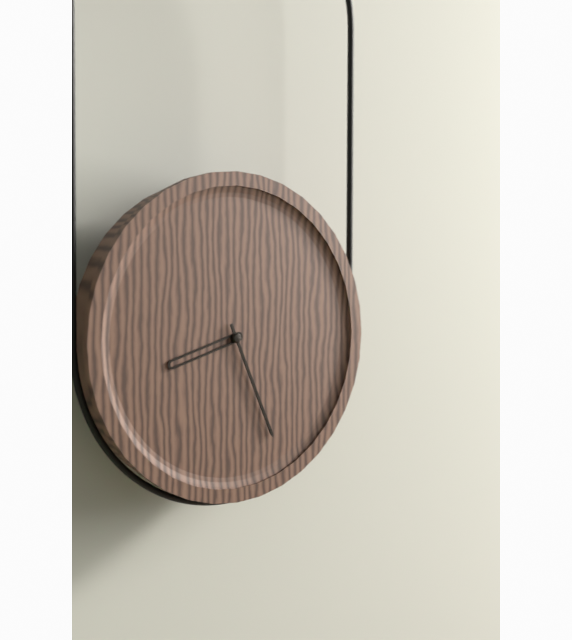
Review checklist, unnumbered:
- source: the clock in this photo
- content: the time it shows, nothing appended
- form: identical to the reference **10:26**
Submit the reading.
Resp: **8:26**
